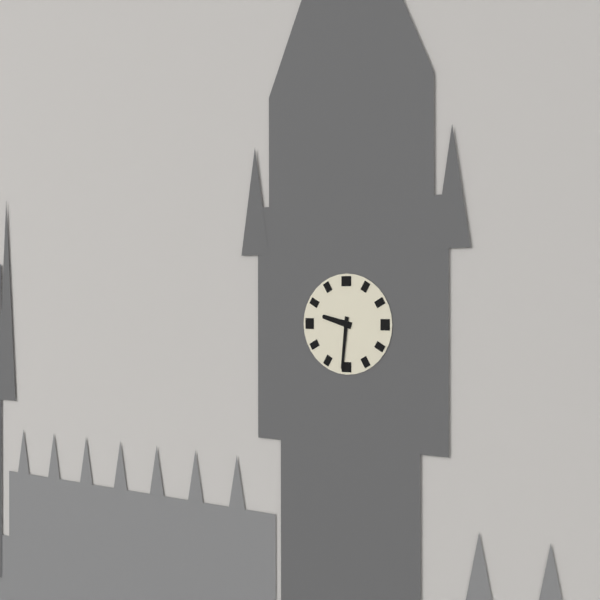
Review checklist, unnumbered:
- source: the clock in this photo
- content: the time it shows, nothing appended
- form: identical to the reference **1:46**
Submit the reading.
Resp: **9:31**
